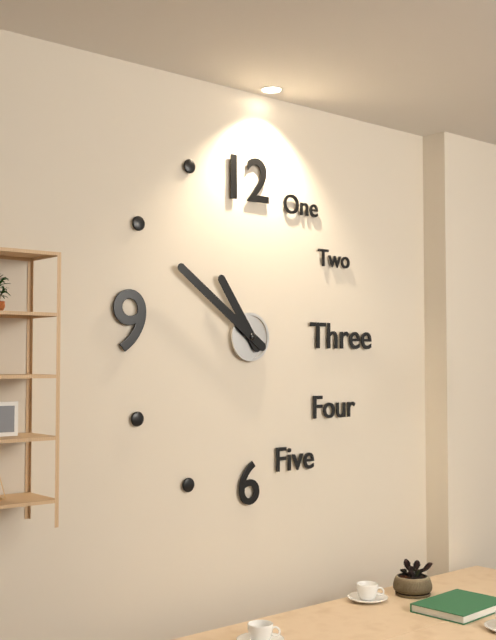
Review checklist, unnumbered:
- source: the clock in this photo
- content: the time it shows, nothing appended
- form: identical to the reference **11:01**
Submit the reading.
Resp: **10:51**
